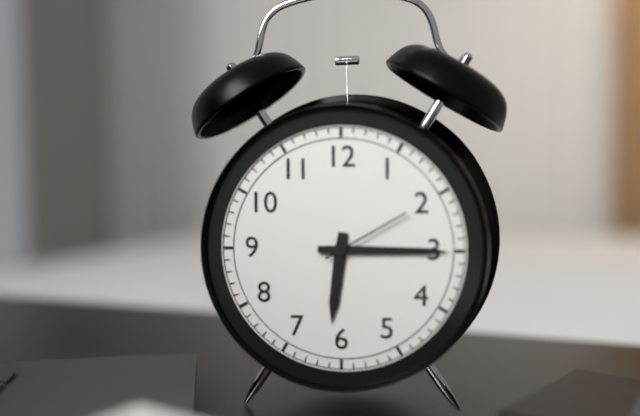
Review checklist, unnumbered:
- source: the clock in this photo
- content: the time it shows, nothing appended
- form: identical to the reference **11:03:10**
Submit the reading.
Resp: **6:15:10**
